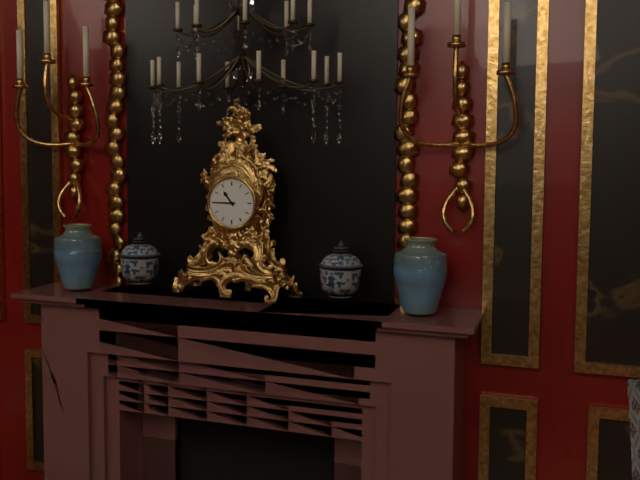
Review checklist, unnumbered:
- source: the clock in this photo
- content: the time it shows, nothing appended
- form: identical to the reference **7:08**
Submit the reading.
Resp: **10:45**
